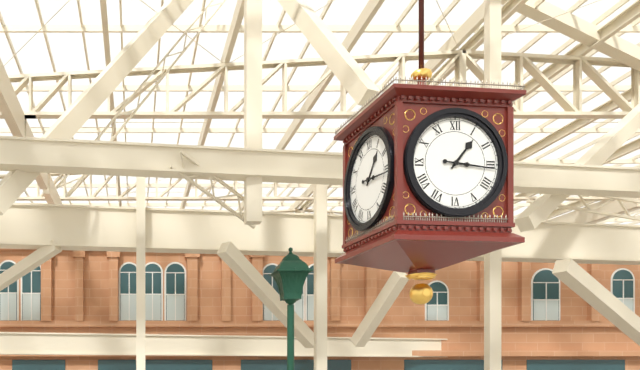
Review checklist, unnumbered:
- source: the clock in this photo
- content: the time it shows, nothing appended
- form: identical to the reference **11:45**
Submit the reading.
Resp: **1:16**
